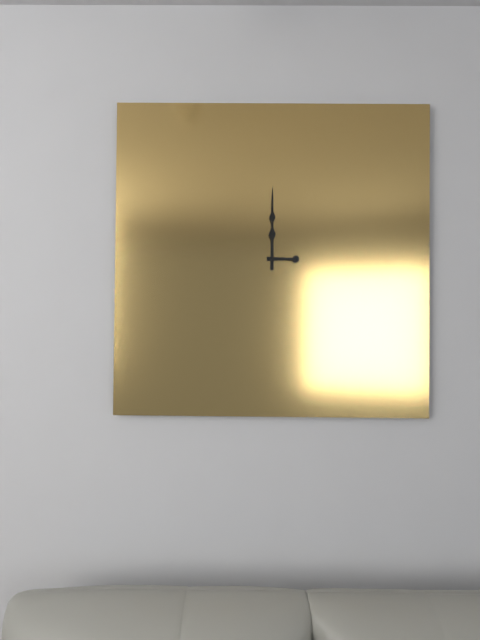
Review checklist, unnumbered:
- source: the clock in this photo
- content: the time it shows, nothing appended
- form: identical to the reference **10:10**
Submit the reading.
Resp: **3:00**
